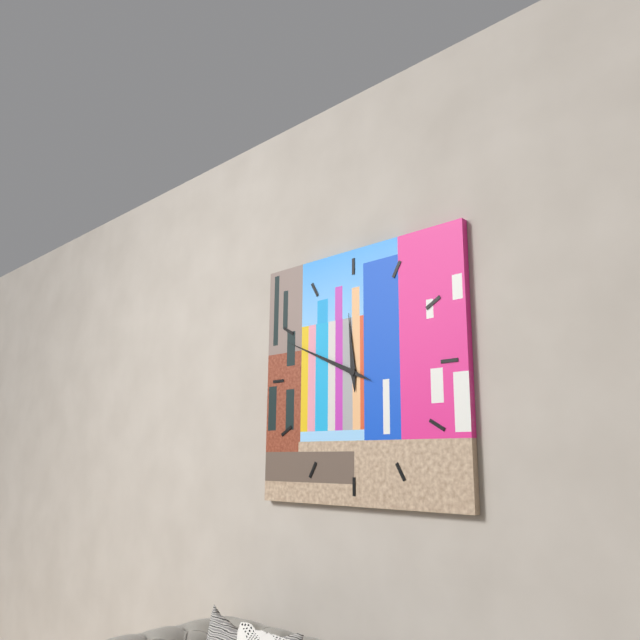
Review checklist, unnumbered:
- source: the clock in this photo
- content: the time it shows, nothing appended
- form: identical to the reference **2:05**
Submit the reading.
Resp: **11:49**
